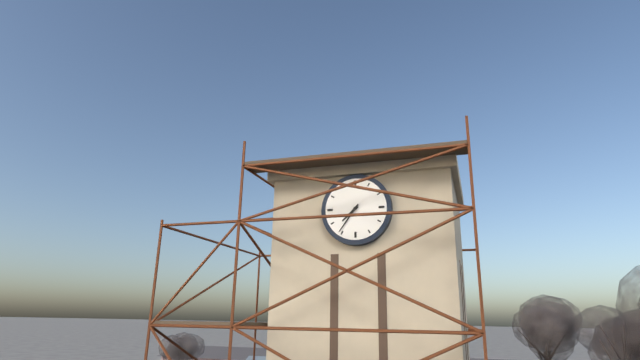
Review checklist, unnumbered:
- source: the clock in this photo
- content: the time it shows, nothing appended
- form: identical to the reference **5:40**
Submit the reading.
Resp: **7:36**
